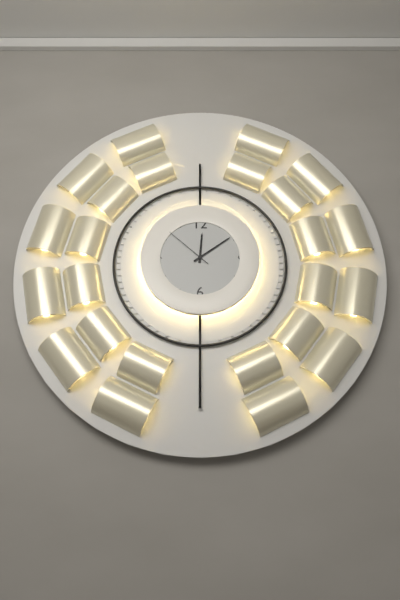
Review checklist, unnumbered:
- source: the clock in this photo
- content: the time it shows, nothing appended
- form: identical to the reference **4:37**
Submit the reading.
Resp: **12:09**
